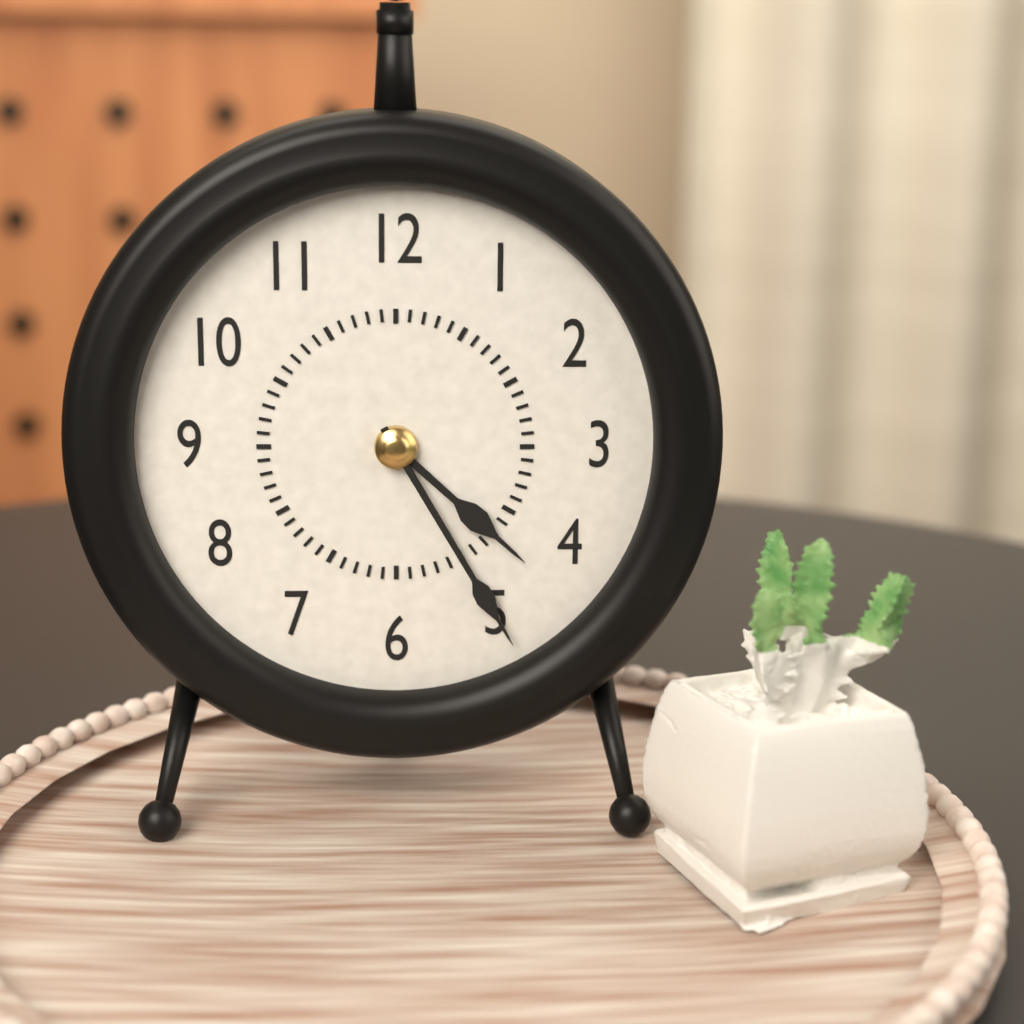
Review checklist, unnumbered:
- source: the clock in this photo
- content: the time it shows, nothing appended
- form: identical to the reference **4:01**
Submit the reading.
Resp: **4:25**
